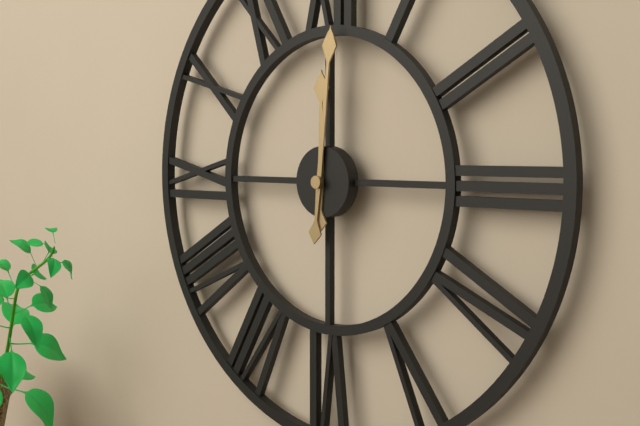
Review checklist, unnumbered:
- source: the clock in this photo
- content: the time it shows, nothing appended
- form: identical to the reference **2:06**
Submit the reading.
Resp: **12:01**
